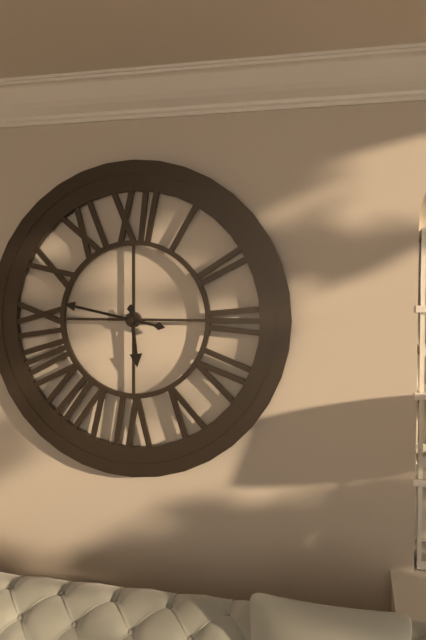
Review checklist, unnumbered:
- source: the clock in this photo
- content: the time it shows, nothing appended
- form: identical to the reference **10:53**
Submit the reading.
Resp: **5:47**
